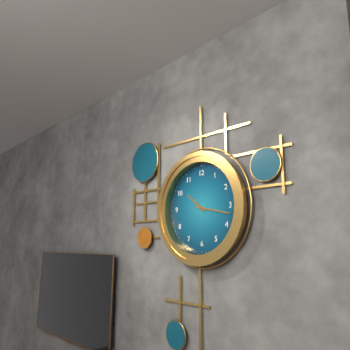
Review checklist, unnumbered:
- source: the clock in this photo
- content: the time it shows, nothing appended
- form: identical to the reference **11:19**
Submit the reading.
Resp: **10:17**
